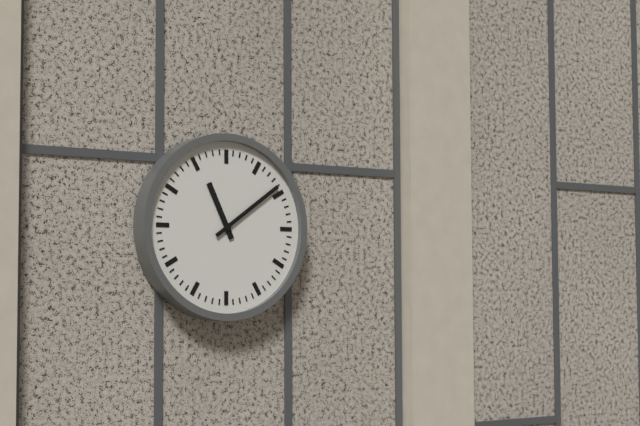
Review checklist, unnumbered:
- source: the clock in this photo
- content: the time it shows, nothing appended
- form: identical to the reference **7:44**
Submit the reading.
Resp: **11:09**
